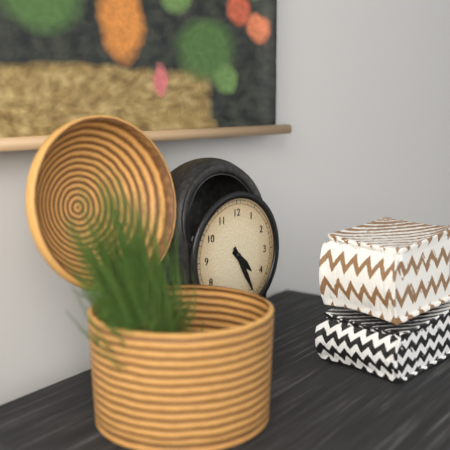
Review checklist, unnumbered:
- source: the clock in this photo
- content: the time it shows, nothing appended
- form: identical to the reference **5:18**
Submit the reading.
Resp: **4:25**
